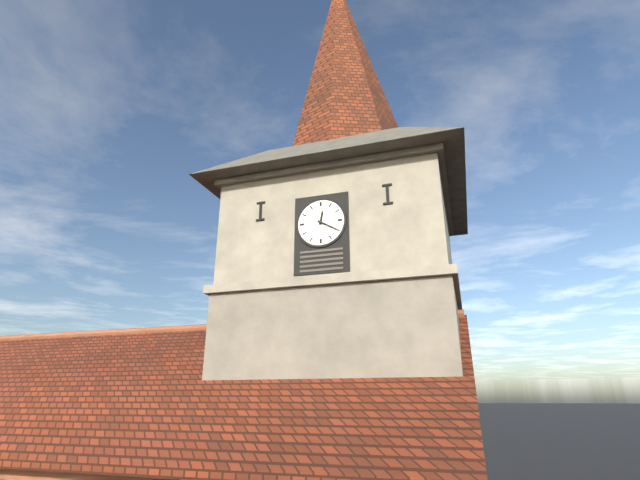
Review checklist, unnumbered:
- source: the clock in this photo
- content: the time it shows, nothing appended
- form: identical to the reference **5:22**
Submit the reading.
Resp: **12:20**
